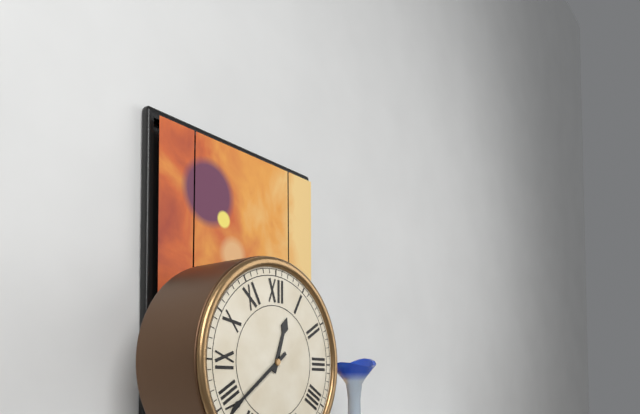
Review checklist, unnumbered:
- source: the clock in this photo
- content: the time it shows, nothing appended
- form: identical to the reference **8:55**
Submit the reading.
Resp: **12:39**
